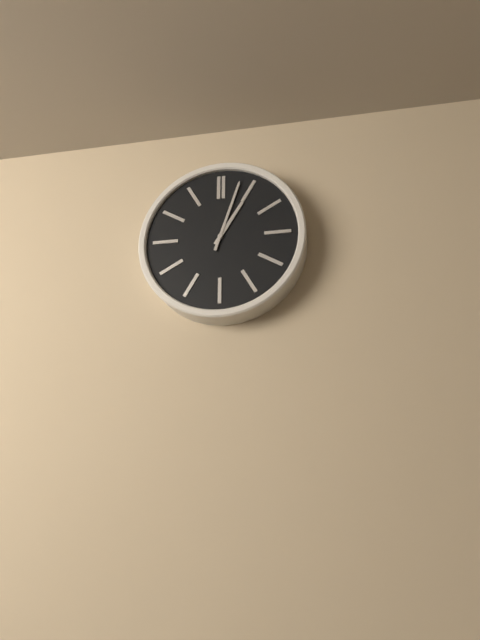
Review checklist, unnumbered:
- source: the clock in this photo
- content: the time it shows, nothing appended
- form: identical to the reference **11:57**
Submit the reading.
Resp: **1:03**
